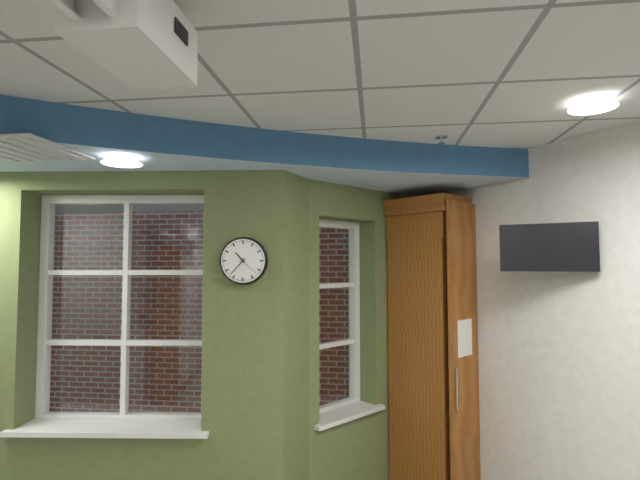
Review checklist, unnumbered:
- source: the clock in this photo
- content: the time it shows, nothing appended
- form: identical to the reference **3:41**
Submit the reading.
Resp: **10:37**
